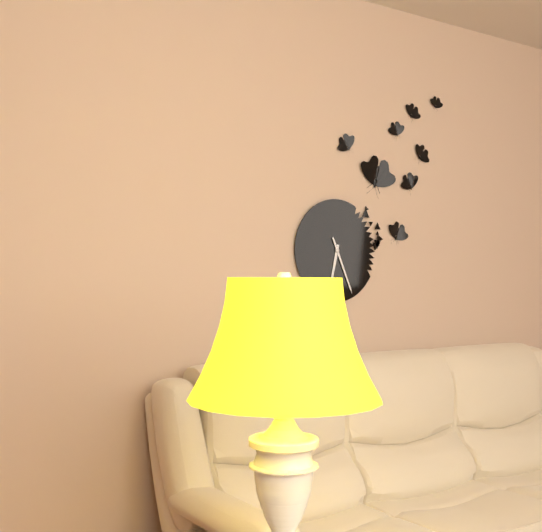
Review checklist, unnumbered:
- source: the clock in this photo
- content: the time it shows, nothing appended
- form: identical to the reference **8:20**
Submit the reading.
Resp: **6:26**
